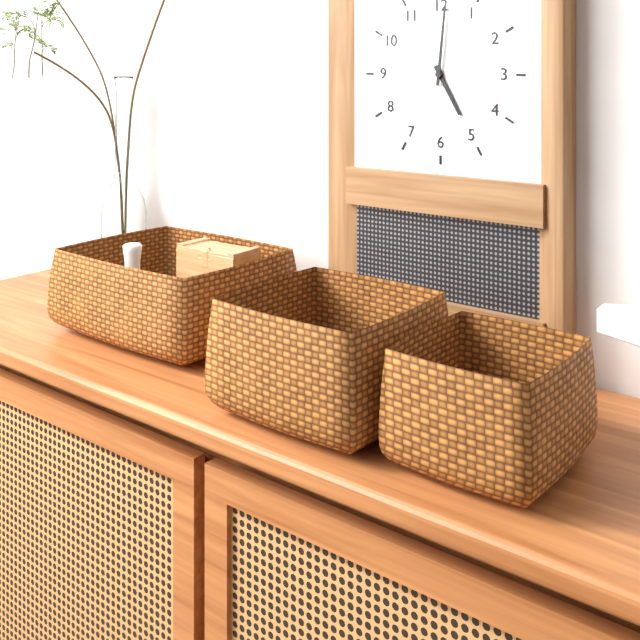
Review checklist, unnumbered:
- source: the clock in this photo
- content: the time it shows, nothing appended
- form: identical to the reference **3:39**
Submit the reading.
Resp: **5:01**
